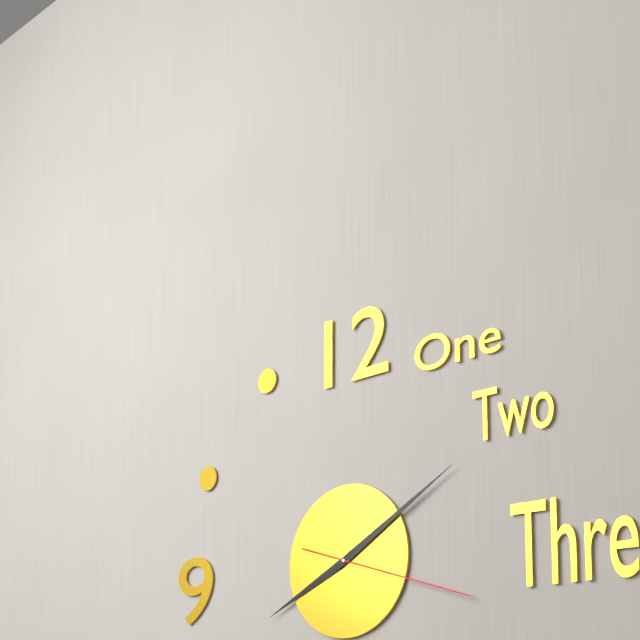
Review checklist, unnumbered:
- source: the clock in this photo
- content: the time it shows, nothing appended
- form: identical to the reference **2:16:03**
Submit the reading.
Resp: **8:10:18**
